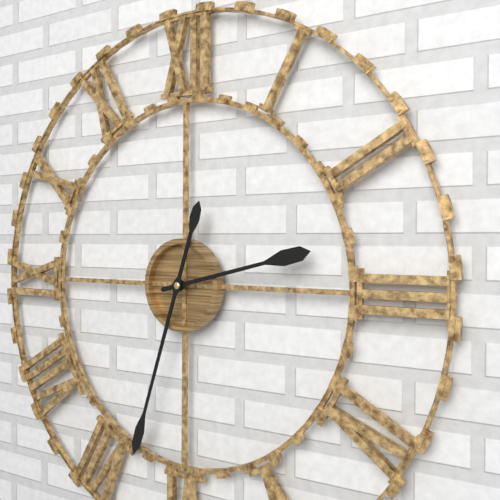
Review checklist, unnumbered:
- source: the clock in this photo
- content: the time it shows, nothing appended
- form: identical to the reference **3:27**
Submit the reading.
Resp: **2:33**
